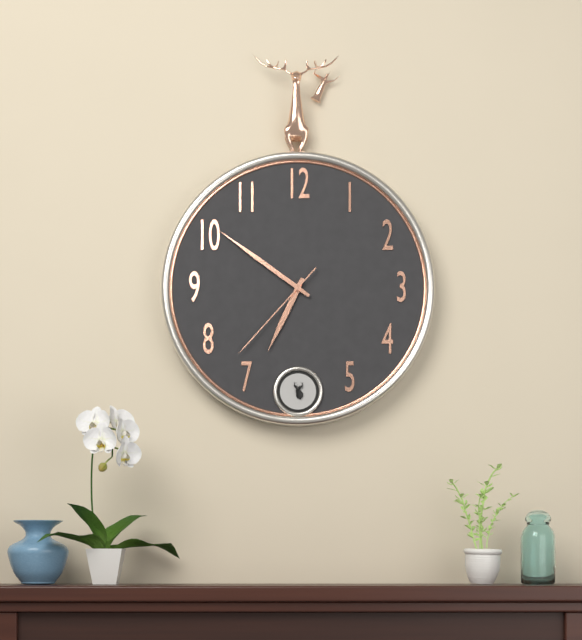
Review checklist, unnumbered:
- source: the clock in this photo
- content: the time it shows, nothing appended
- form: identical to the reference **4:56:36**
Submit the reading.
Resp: **6:51:37**
